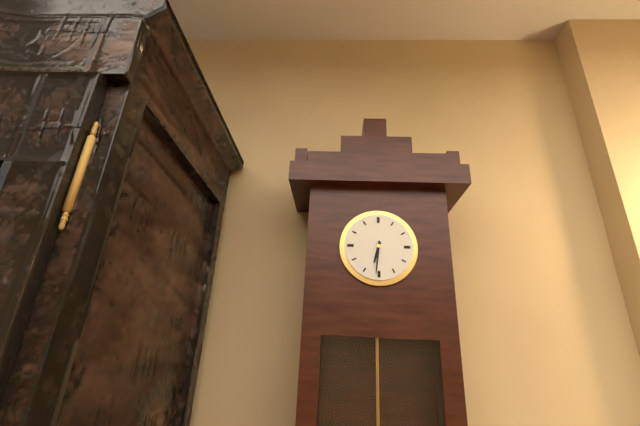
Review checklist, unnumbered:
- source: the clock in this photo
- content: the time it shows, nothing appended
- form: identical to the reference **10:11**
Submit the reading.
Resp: **6:31**
